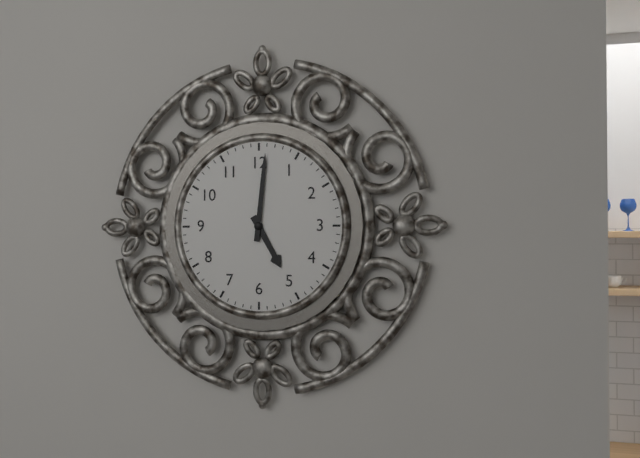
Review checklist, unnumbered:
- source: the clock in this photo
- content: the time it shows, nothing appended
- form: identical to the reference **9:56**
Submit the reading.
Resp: **5:01**
